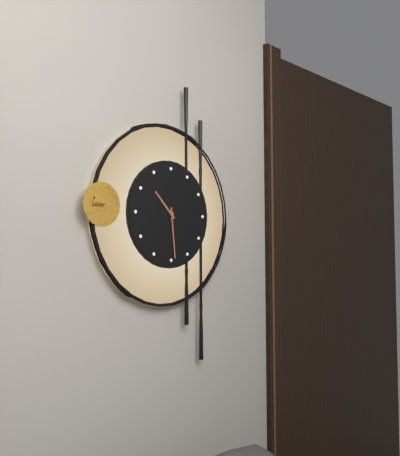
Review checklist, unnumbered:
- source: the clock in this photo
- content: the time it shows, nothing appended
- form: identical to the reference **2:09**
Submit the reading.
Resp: **10:29**
